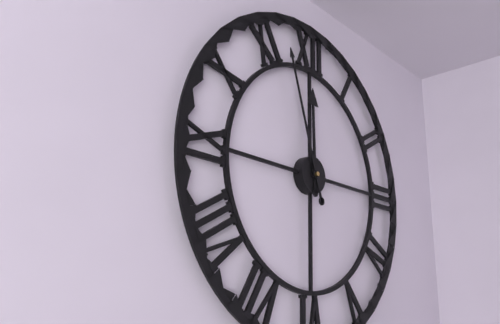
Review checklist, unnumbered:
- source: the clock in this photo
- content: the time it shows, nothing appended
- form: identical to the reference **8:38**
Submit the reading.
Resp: **11:57**
